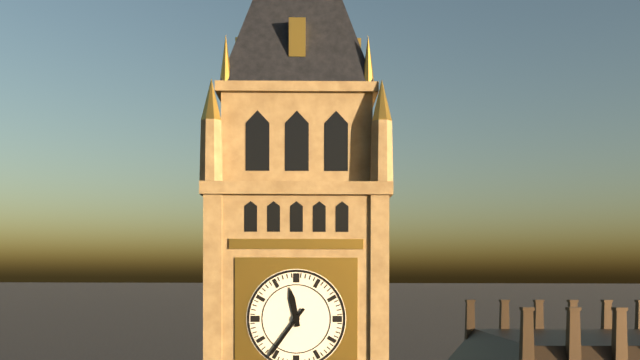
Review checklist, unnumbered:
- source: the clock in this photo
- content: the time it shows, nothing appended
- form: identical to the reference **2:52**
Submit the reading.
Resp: **11:36**
